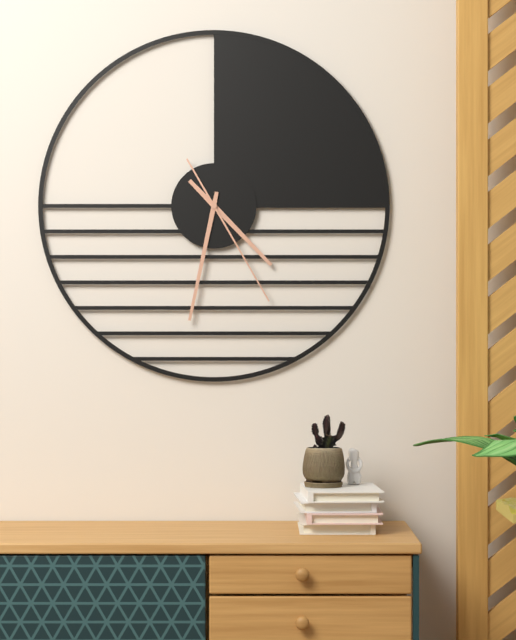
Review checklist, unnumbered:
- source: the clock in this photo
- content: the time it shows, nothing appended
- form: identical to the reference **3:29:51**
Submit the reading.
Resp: **4:32:25**
